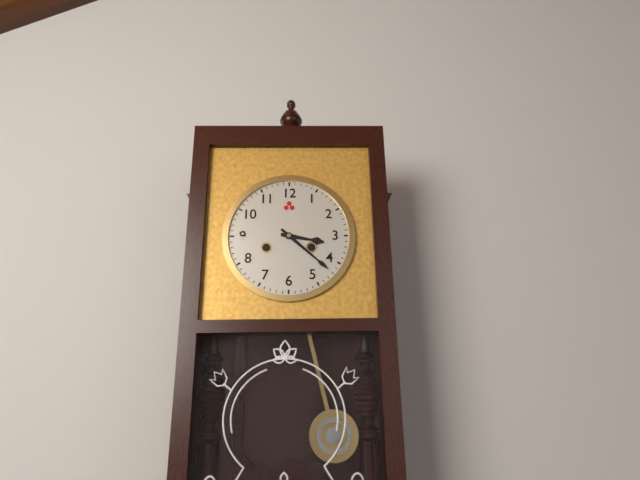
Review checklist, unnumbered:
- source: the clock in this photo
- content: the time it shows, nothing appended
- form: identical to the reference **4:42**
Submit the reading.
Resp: **3:22**
